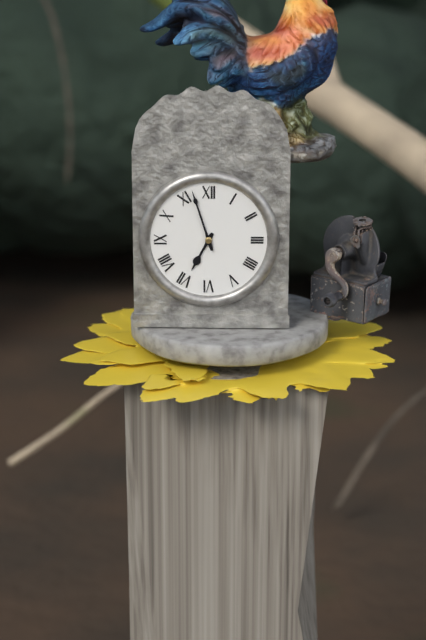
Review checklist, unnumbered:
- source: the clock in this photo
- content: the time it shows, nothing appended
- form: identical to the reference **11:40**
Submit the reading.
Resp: **6:57**
